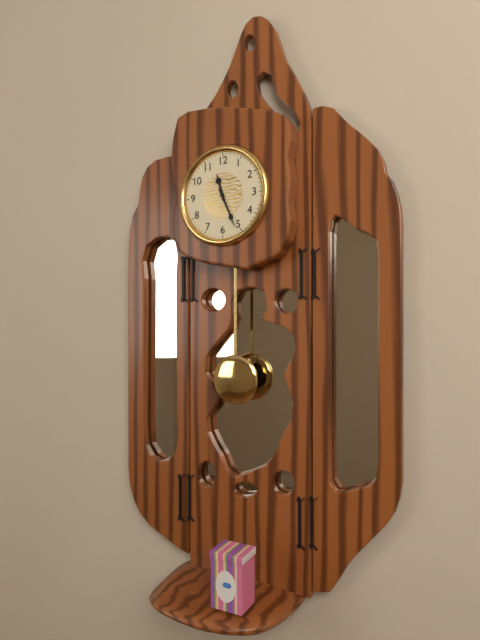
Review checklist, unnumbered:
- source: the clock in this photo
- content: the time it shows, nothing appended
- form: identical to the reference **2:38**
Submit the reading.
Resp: **11:26**
